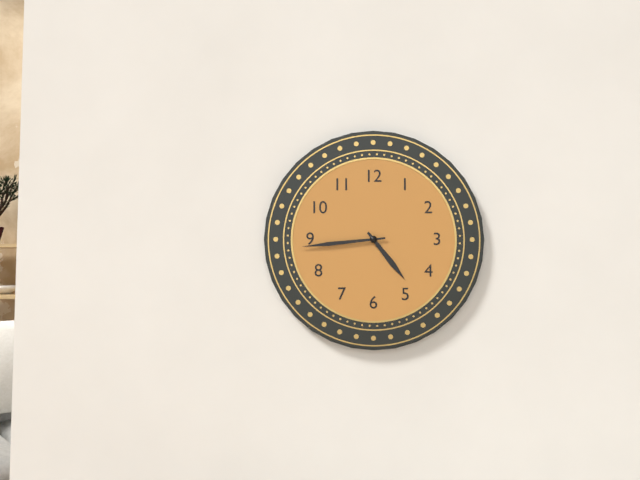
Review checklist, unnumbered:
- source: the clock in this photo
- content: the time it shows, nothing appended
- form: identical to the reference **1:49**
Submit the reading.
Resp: **4:44**
